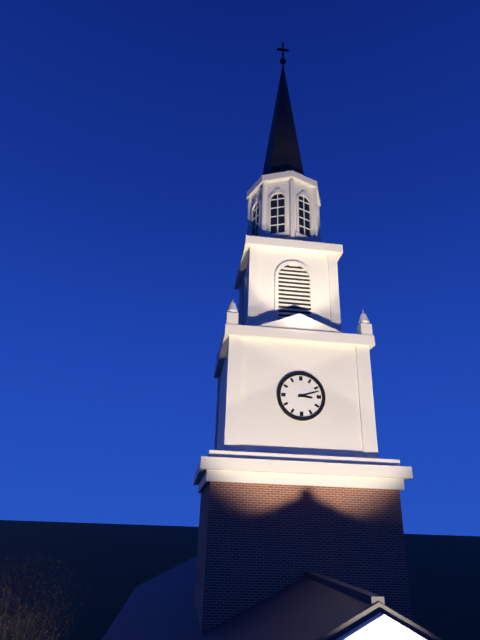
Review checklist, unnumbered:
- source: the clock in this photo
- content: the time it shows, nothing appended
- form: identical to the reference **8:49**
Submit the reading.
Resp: **3:12**
